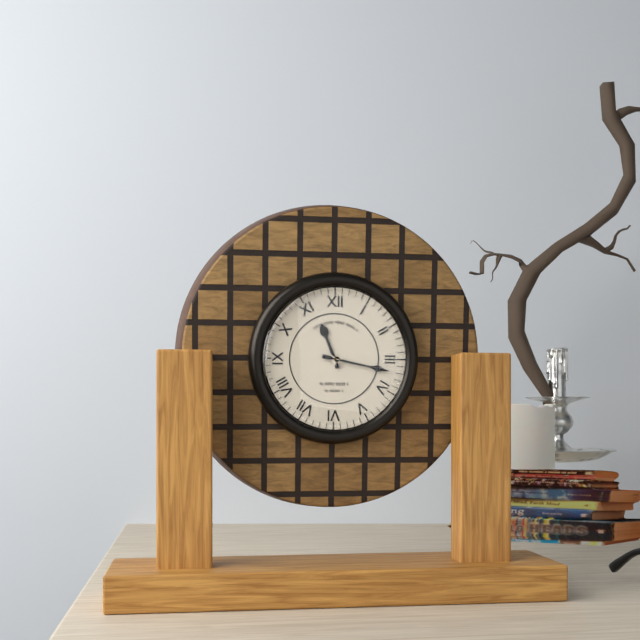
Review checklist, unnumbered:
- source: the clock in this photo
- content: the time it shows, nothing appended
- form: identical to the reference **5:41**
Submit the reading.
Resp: **11:17**
